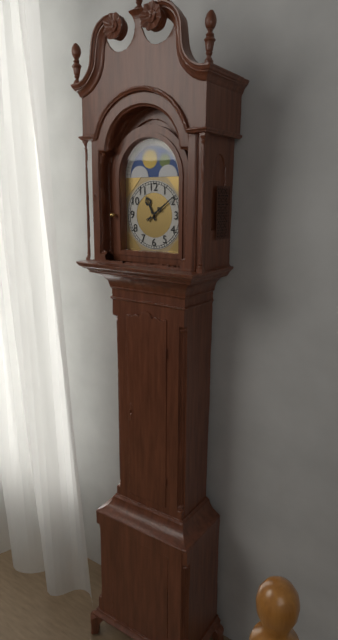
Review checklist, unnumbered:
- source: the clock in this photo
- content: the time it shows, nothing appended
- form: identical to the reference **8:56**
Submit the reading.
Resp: **11:09**
